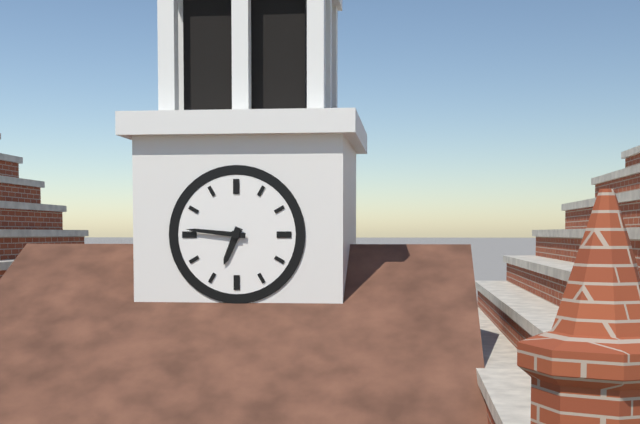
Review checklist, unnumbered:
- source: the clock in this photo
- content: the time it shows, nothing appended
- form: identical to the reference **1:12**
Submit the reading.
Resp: **6:46**
